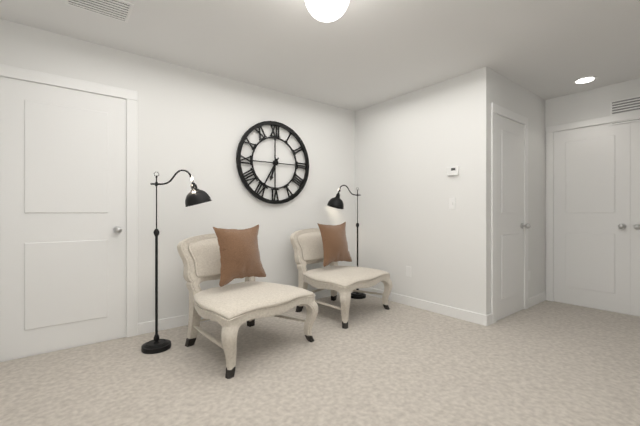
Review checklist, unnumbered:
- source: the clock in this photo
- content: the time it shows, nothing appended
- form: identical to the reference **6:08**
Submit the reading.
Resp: **6:35**
